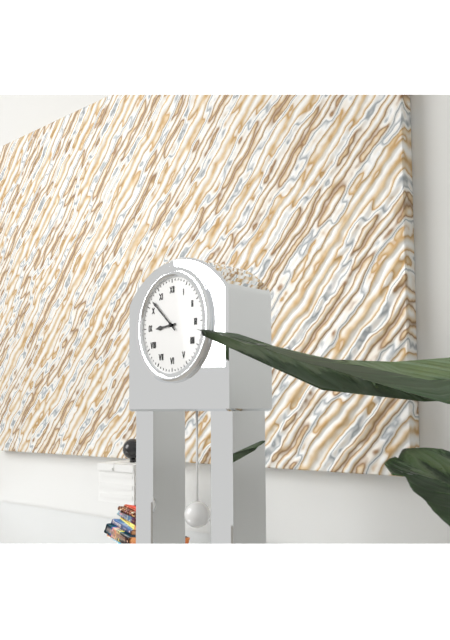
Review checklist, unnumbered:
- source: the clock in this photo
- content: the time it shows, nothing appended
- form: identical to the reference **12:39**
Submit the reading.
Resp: **8:52**
